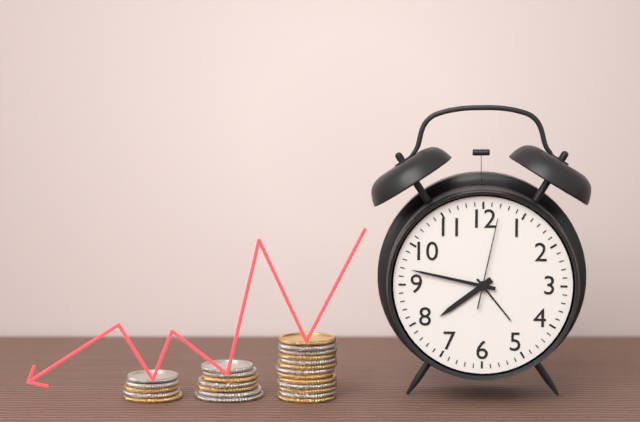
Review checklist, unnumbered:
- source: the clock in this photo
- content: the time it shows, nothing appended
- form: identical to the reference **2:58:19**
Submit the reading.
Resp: **7:47:02**
